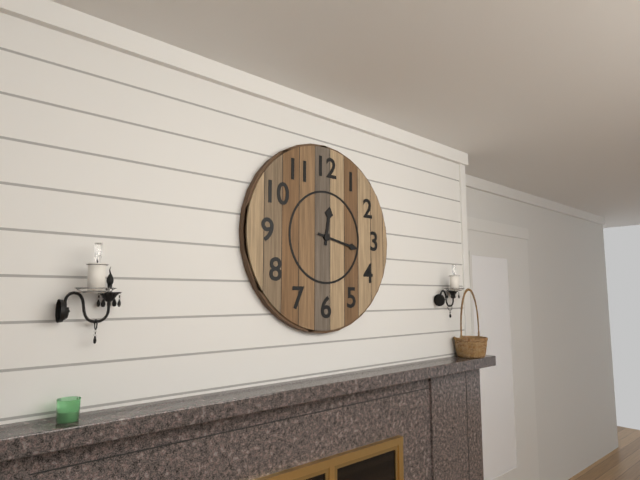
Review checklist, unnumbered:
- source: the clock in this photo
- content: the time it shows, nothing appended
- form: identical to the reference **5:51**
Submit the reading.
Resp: **12:17**
